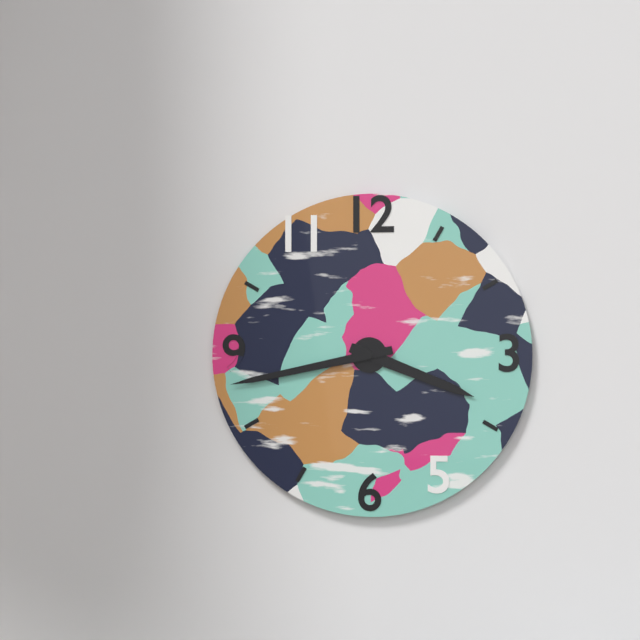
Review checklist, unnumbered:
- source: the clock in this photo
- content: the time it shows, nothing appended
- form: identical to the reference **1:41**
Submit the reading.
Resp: **3:43**
